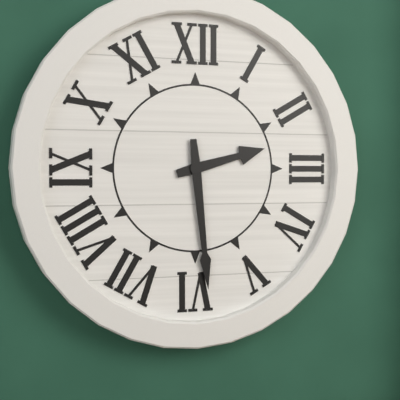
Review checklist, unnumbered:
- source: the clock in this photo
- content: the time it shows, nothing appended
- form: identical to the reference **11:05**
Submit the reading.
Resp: **2:29**
